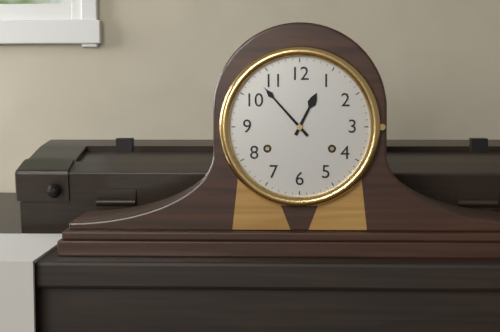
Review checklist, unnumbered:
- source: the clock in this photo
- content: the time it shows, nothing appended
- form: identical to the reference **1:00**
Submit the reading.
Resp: **12:53**
